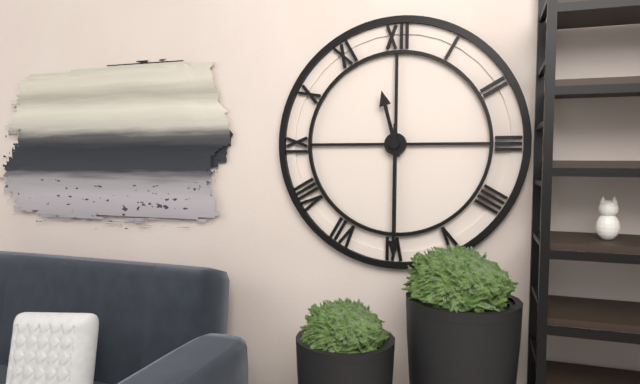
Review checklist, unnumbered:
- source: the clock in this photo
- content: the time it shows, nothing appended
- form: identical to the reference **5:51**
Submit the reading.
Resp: **11:30**
